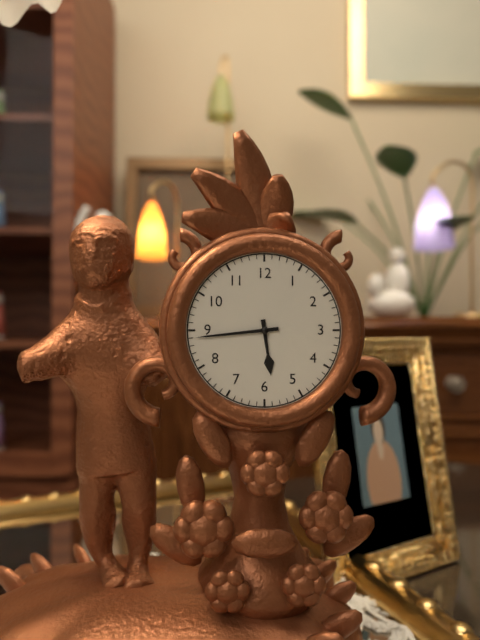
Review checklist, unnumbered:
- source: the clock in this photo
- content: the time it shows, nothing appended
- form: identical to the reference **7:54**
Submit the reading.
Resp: **5:44**
